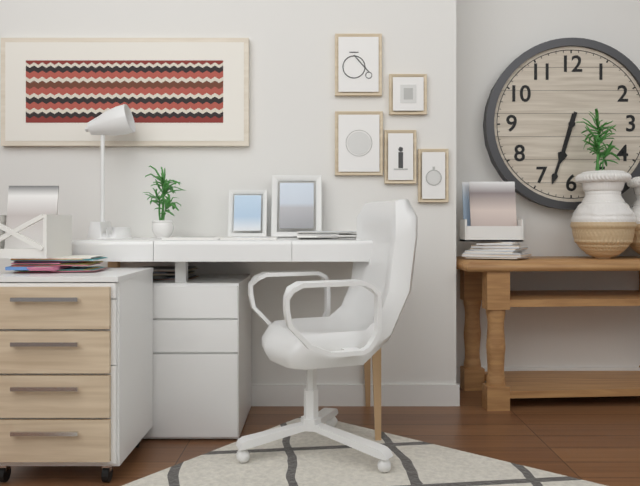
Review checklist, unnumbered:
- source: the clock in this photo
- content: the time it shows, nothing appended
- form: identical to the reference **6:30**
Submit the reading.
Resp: **6:33**
